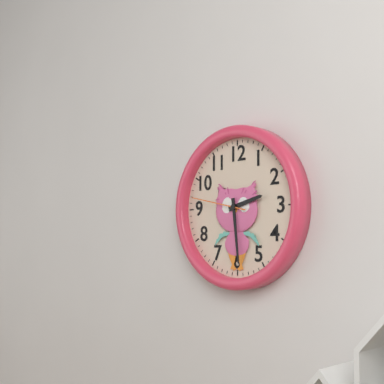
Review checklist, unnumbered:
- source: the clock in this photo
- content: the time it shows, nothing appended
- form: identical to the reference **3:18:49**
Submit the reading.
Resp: **2:29:47**
